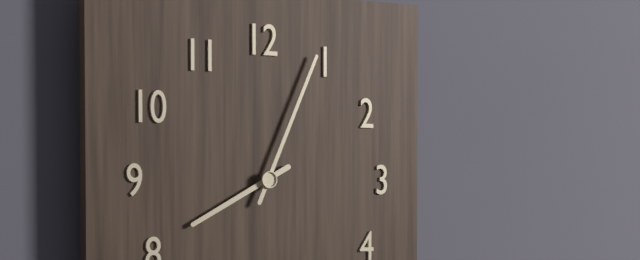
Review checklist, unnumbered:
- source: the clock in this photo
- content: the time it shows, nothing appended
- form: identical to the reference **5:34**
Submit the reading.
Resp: **8:04**
